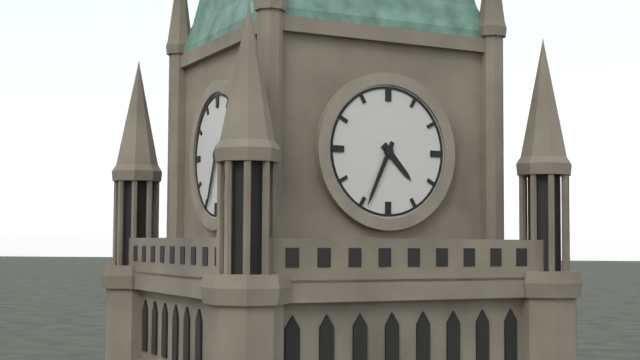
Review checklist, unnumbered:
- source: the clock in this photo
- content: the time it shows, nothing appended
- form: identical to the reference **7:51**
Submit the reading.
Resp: **4:34**
